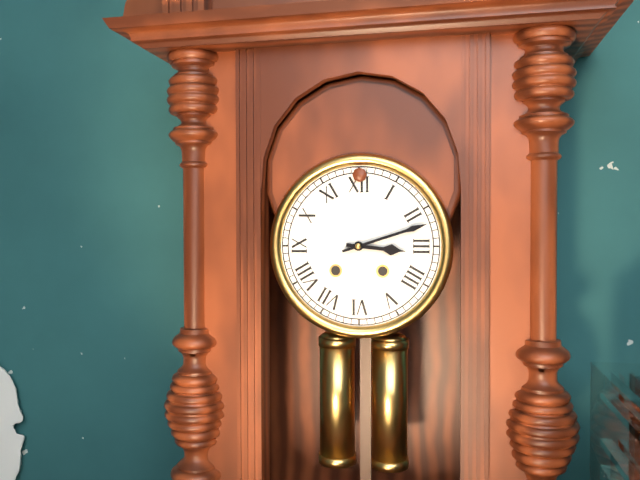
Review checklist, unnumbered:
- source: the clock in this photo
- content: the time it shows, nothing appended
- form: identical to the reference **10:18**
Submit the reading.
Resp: **3:12**
